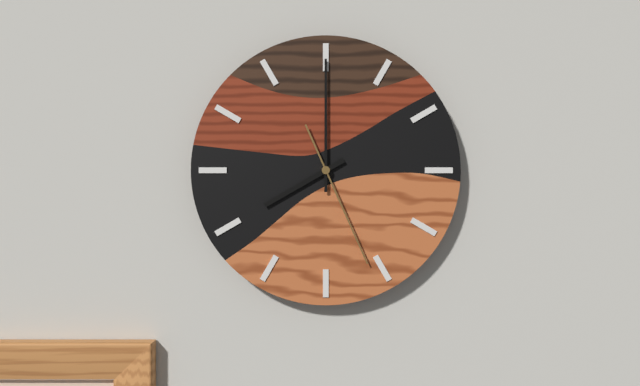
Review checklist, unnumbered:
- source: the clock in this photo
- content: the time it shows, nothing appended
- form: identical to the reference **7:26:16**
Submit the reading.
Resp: **8:00:26**
